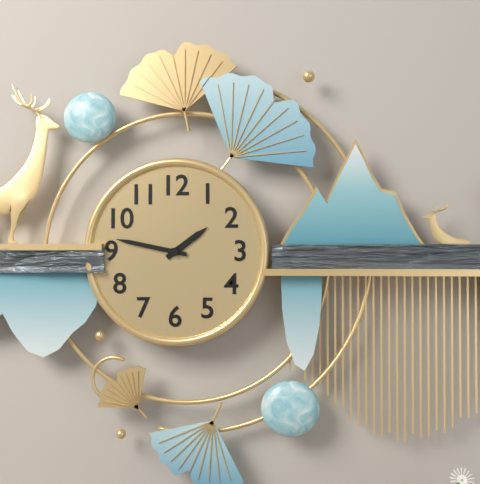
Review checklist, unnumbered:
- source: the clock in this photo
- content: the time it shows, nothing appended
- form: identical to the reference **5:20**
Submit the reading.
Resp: **1:47**
